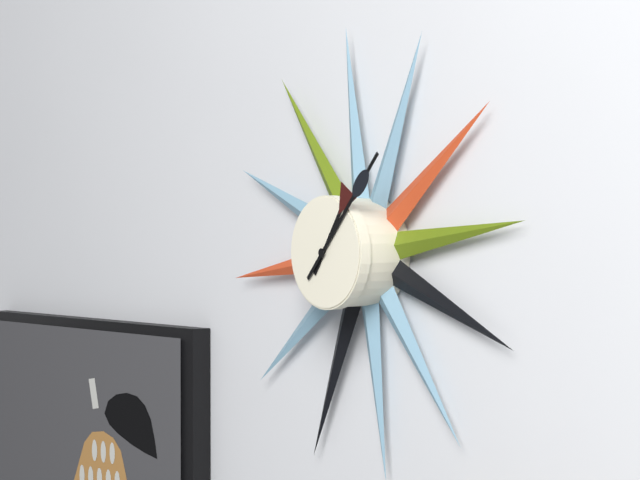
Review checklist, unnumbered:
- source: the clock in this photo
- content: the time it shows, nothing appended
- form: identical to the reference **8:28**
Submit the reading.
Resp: **1:07**
